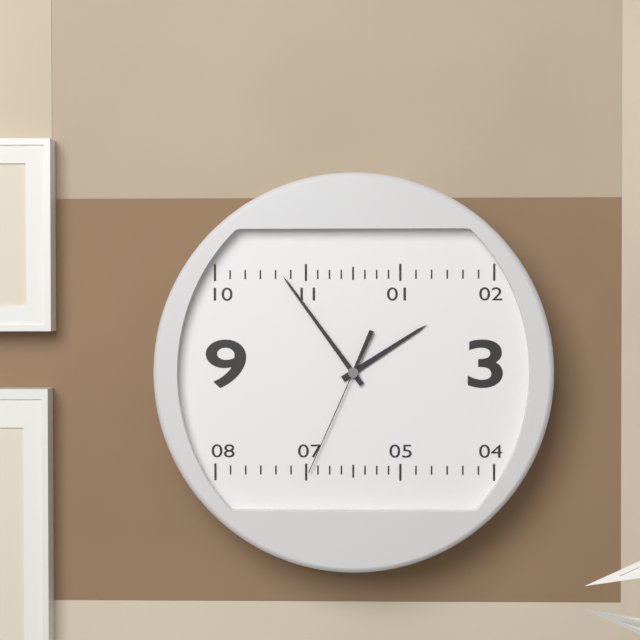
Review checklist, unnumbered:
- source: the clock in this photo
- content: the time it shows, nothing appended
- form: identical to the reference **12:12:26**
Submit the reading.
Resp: **1:54:34**
